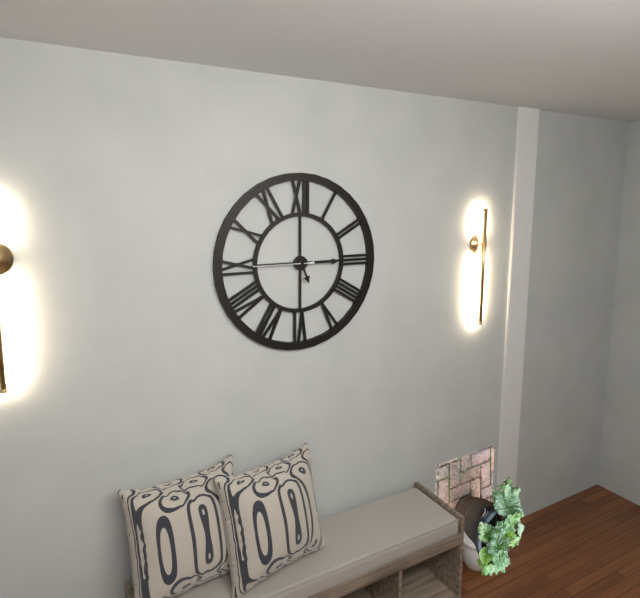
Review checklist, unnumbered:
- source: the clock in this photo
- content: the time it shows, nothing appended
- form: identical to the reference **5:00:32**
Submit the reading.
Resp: **5:15:45**
